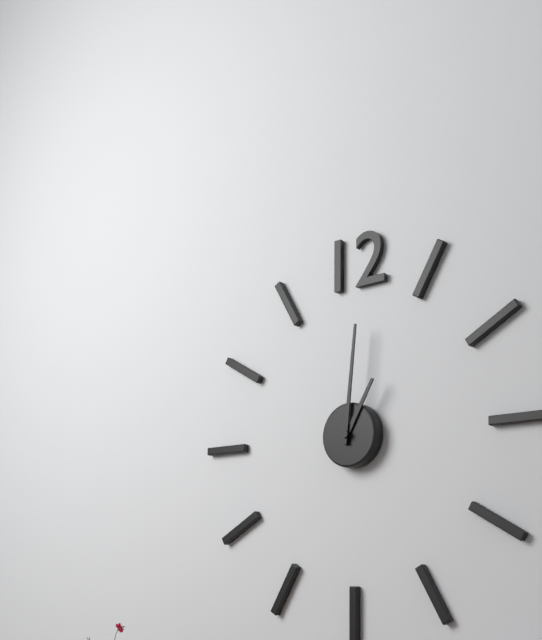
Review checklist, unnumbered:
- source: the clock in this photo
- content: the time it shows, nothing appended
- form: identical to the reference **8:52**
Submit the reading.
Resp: **1:01**
